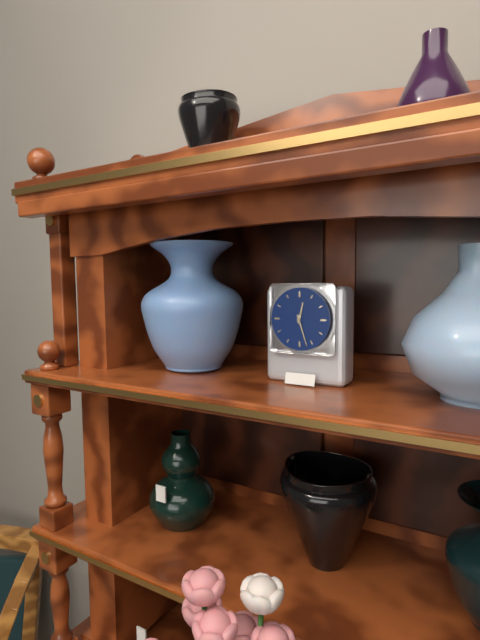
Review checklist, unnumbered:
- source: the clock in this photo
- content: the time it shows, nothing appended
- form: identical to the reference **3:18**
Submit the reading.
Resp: **12:27**
